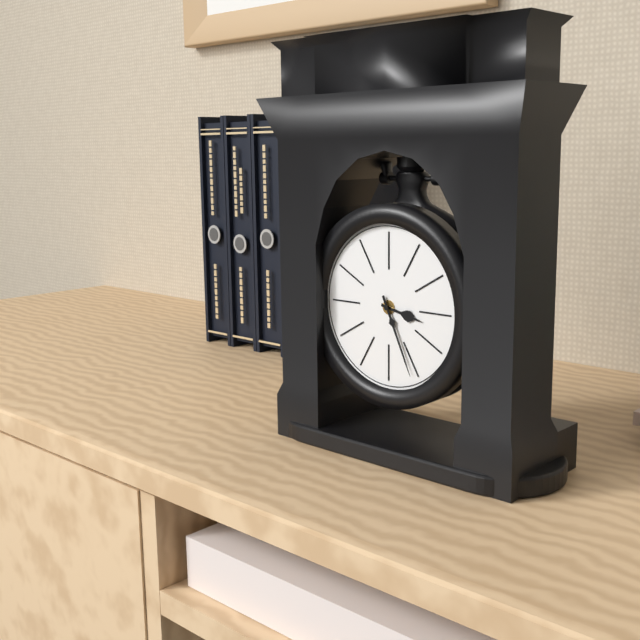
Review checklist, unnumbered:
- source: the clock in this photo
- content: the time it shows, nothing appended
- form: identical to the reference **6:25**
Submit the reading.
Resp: **3:26**
